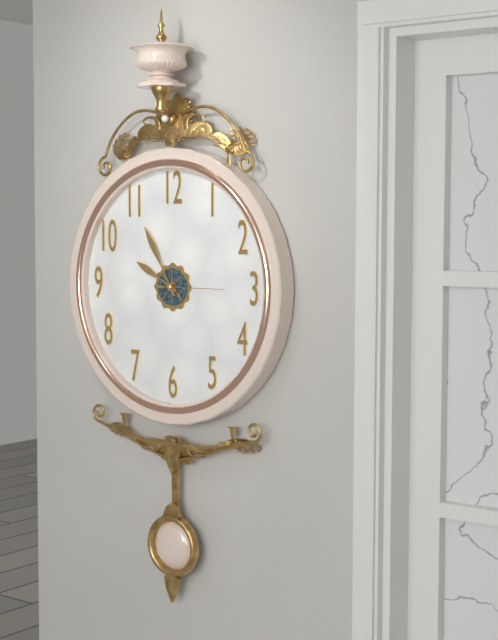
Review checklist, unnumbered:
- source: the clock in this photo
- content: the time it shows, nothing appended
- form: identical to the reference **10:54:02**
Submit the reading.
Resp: **9:55:15**
